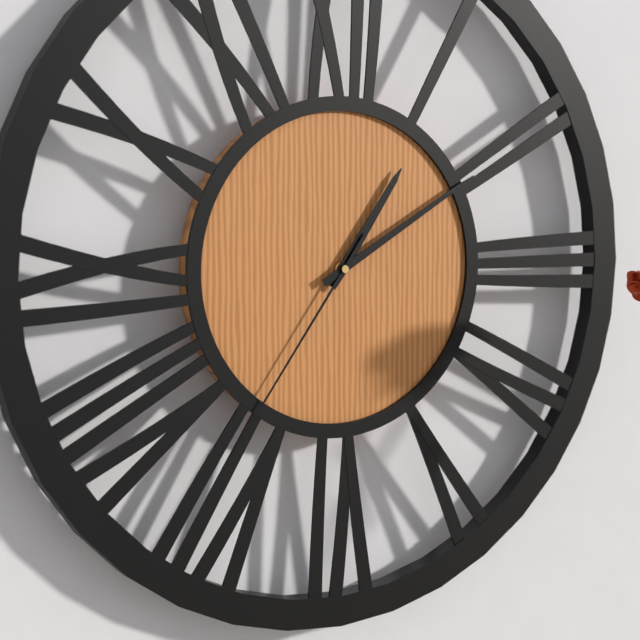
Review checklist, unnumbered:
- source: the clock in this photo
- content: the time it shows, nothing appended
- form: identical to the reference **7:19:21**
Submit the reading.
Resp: **1:10:36**
